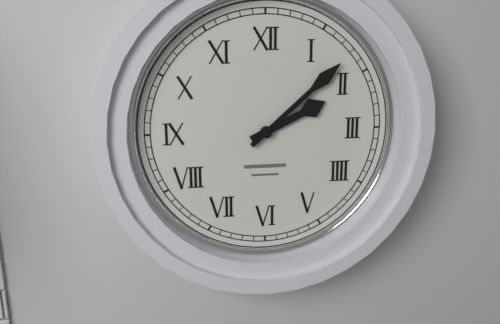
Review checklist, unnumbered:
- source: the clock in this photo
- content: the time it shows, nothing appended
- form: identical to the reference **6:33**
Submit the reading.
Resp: **2:08**
